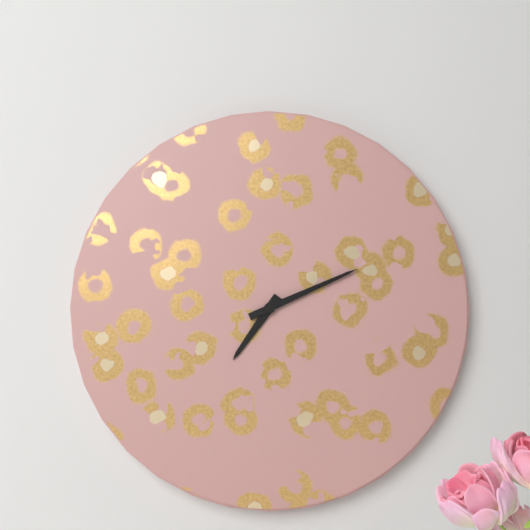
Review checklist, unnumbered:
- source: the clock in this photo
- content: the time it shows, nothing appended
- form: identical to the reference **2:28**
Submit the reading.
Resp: **7:11**
